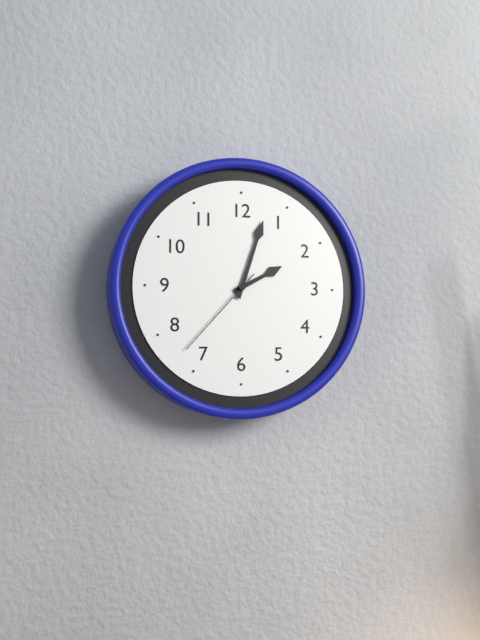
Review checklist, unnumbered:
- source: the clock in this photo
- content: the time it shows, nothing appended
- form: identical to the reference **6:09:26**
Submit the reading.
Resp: **2:03:37**
